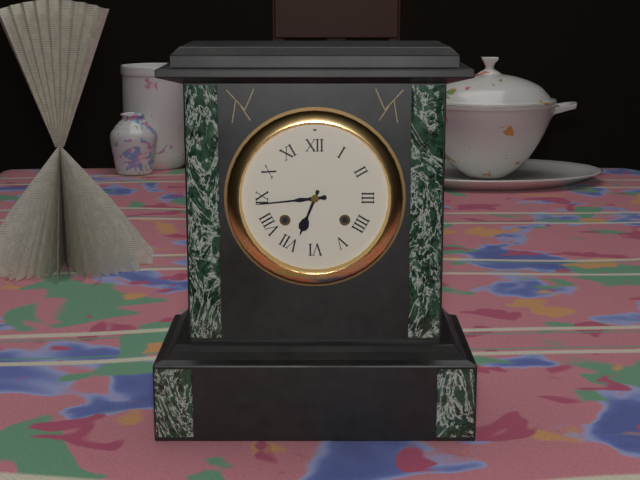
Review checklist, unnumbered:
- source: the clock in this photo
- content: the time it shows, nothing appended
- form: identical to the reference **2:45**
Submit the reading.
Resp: **6:44**
